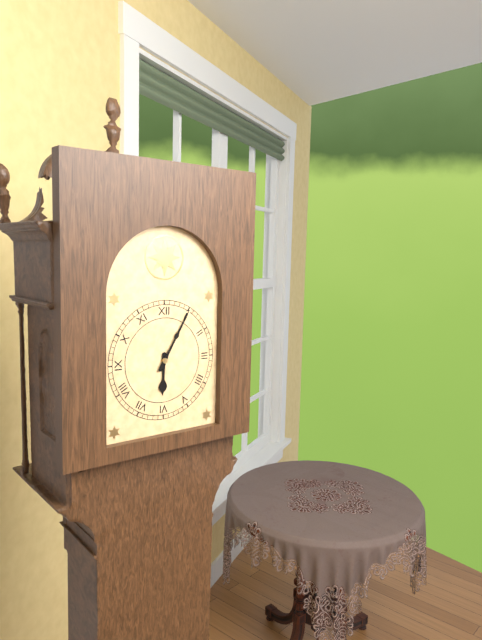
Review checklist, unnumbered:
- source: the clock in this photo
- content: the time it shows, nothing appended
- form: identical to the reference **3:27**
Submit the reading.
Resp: **6:05**
